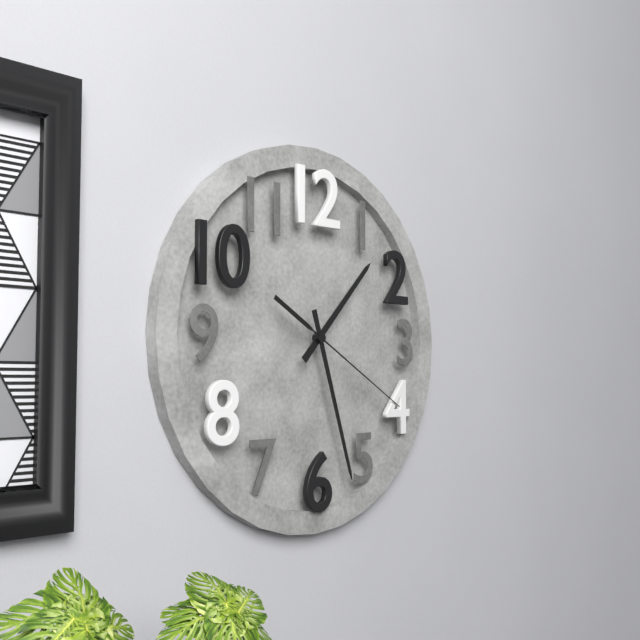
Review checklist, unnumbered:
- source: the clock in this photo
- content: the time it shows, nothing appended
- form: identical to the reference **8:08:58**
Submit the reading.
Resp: **1:27:20**
